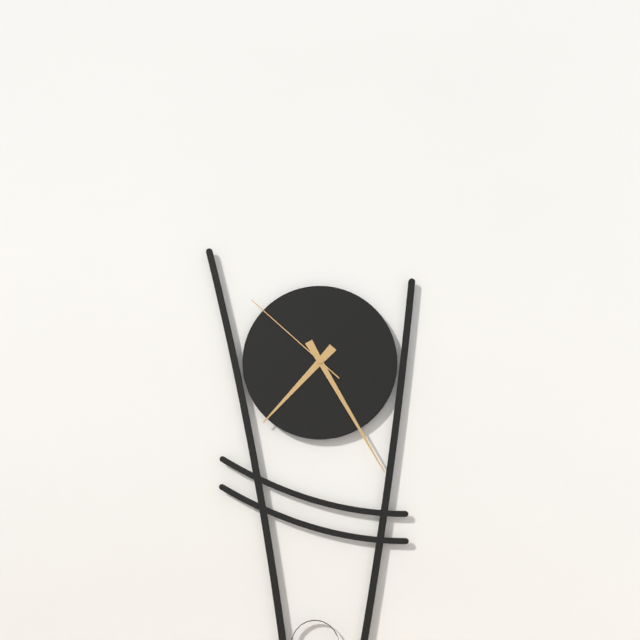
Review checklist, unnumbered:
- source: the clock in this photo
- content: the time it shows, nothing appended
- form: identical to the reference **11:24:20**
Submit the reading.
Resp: **7:25:52**
